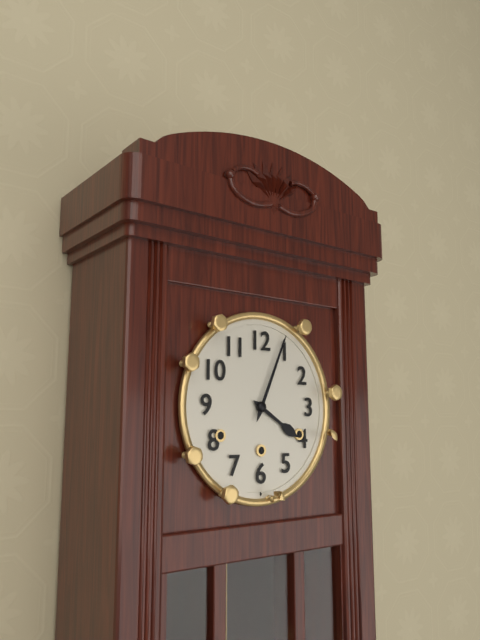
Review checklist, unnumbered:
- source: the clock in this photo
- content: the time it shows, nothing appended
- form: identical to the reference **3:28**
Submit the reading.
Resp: **4:04**
